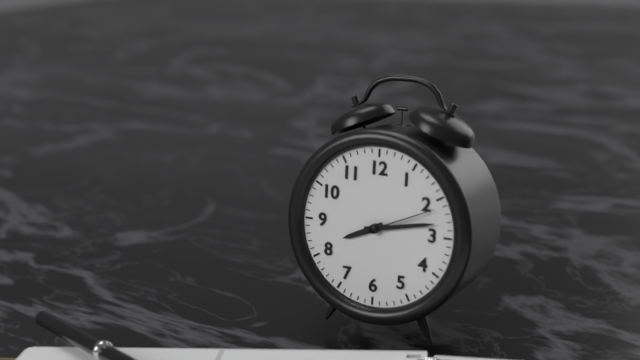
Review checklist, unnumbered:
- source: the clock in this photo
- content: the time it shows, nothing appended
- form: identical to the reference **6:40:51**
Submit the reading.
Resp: **8:13:11**
